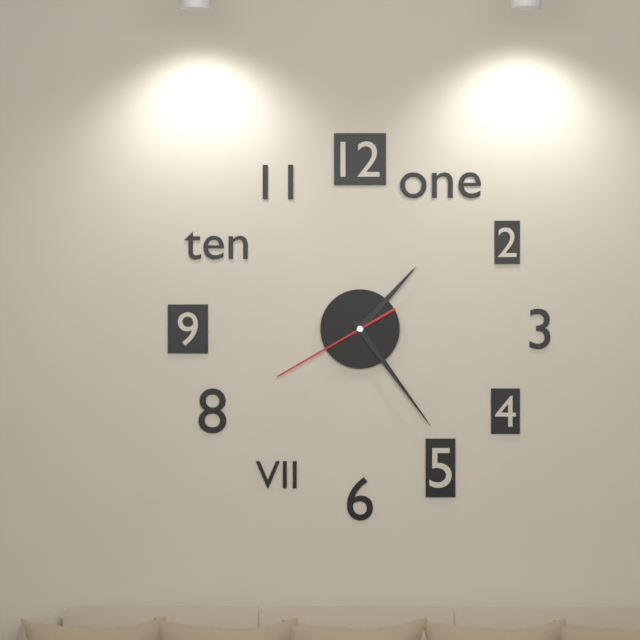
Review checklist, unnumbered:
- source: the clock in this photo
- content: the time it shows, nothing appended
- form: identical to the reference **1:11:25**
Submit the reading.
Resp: **1:24:40**
